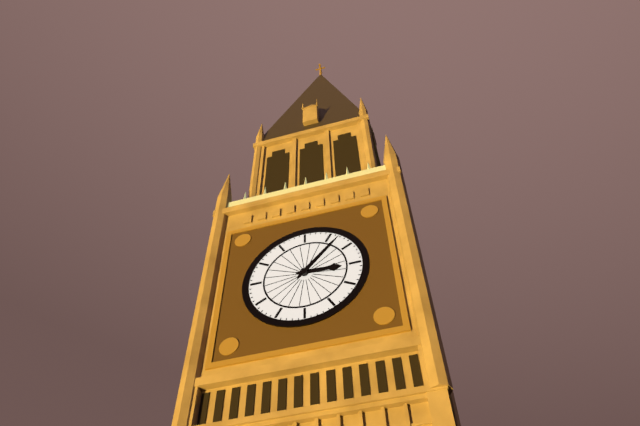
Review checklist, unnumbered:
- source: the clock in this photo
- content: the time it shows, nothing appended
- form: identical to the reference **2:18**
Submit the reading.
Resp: **3:07**
